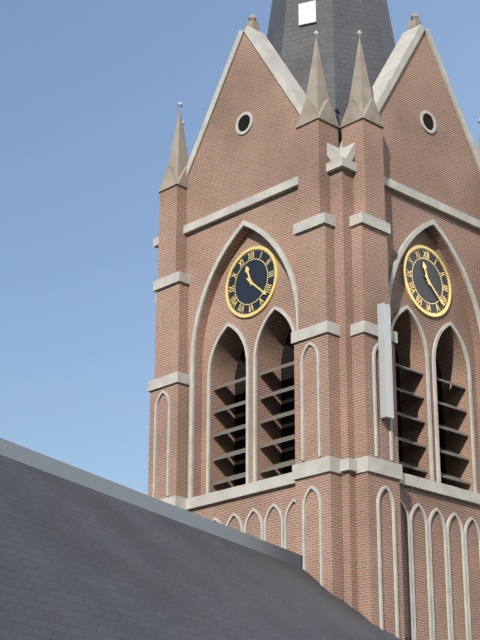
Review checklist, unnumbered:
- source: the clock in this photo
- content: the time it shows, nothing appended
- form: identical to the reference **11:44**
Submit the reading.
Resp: **11:22**
